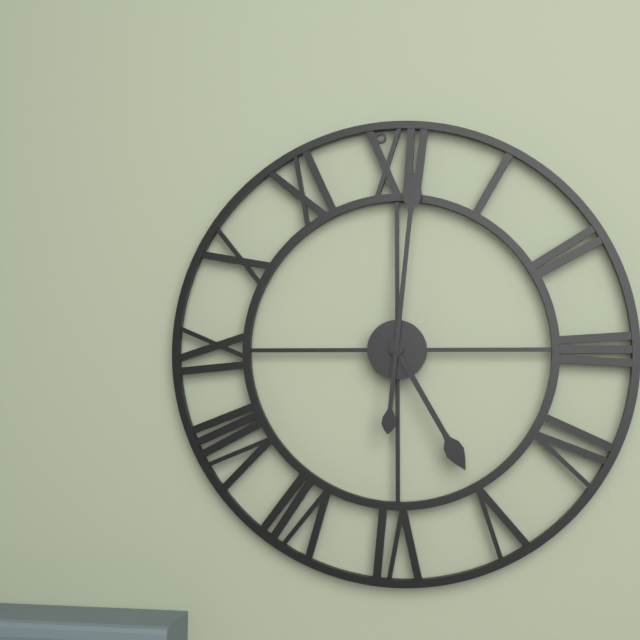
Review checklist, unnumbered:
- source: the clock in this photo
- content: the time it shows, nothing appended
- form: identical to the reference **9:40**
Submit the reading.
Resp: **5:01**
